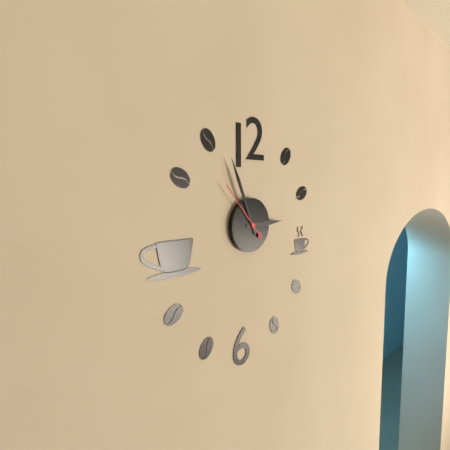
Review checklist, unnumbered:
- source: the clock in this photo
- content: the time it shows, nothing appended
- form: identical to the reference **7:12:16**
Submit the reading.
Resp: **2:56:53**
